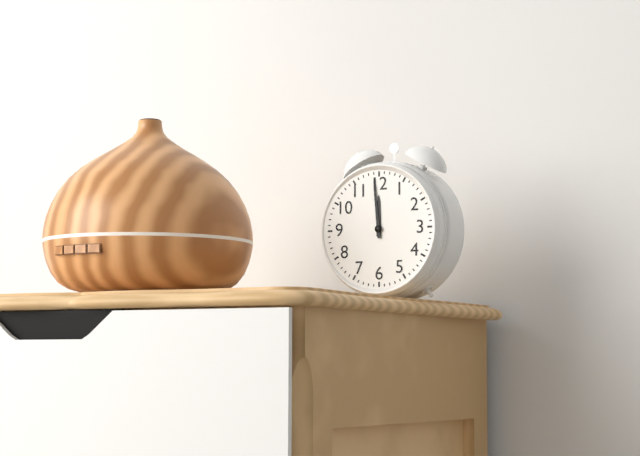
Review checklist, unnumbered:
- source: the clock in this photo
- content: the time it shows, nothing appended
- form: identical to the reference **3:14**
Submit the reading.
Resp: **11:59**
